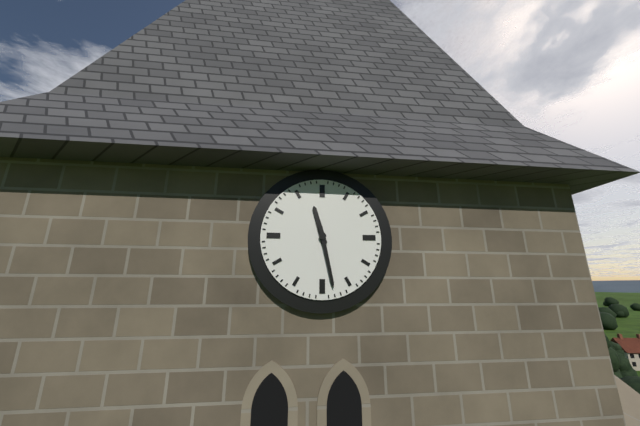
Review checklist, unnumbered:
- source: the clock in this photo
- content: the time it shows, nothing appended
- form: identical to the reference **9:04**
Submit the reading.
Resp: **11:28**
